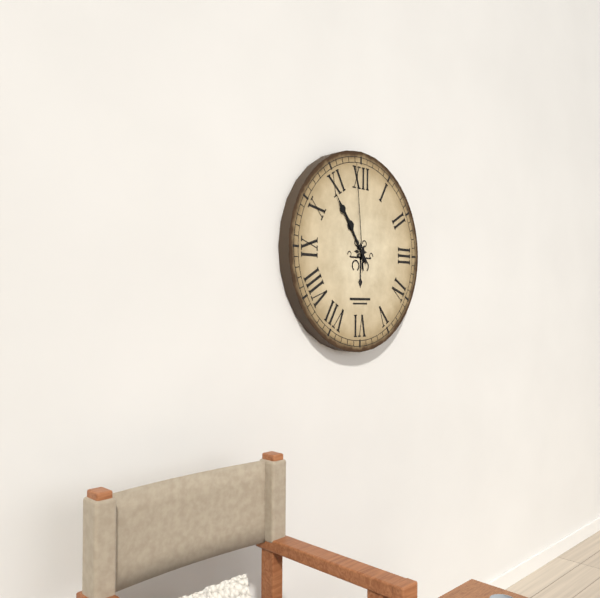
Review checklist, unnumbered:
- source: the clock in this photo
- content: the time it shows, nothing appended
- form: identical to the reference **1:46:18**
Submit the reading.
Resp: **10:54:59**
